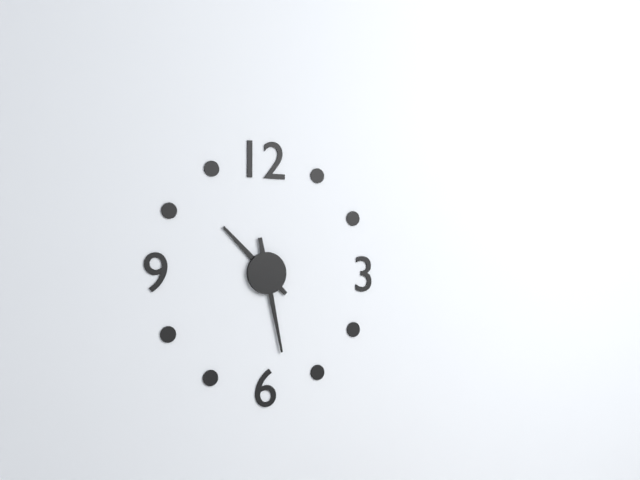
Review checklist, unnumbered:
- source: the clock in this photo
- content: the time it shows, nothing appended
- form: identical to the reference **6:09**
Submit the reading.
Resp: **10:28**
